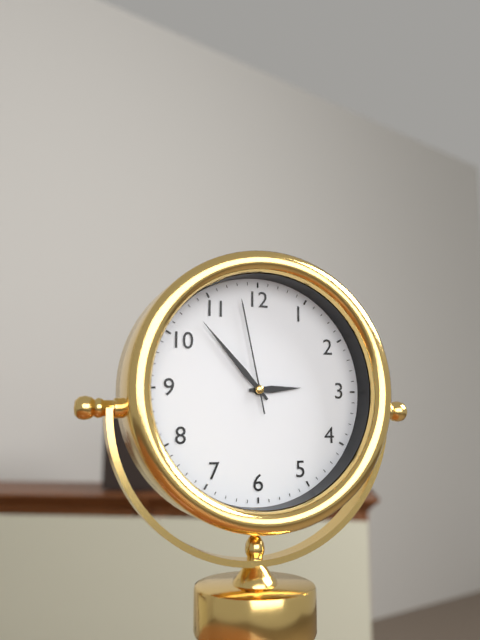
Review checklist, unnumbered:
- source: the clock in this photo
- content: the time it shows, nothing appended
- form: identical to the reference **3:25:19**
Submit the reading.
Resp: **2:53:58**
